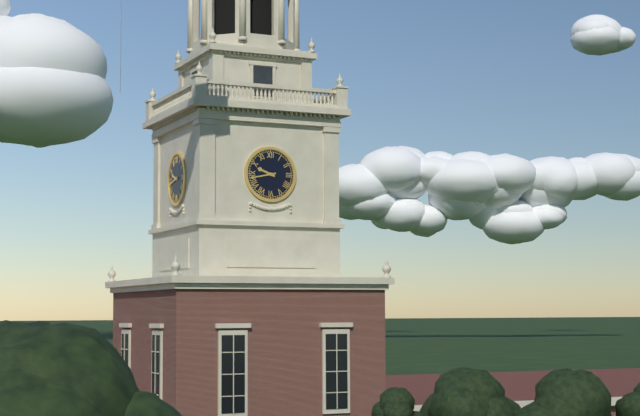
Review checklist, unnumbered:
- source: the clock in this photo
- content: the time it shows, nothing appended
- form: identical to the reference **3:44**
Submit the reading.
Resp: **9:43**
